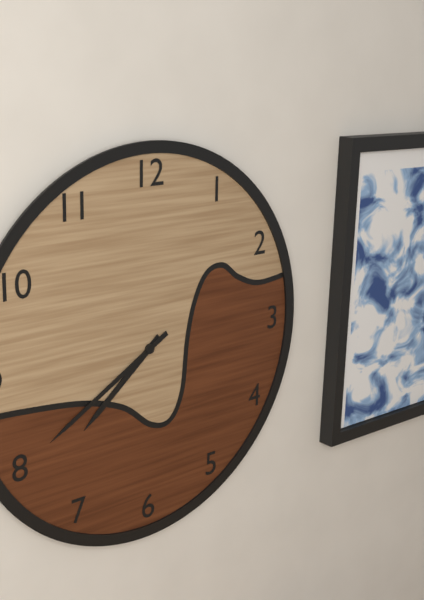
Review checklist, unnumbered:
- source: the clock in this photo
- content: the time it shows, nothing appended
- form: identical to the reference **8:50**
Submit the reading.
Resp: **7:40**
